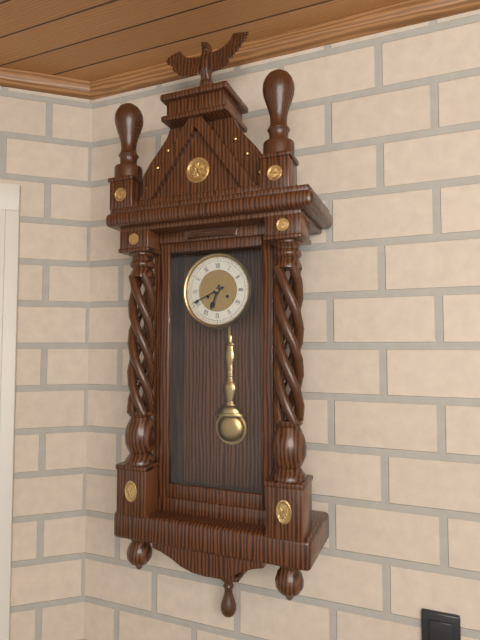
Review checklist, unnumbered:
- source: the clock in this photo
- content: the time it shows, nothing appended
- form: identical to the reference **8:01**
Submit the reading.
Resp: **6:41**
